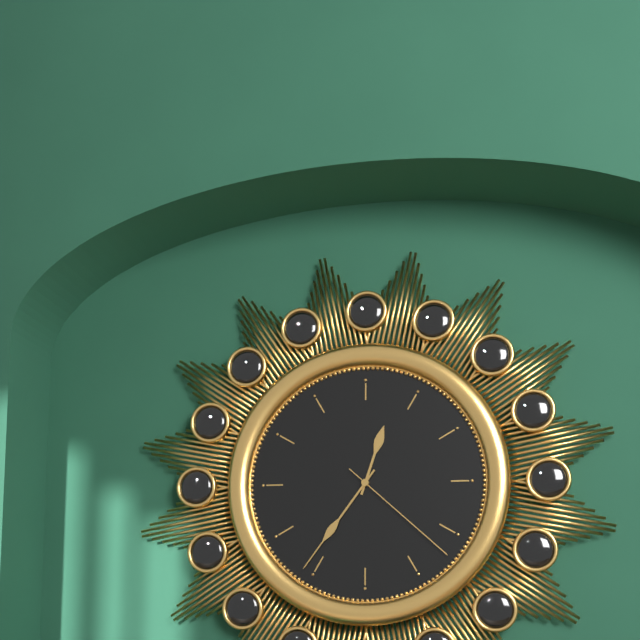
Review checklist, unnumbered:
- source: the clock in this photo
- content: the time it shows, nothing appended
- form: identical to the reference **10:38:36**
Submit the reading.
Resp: **12:36:22**
